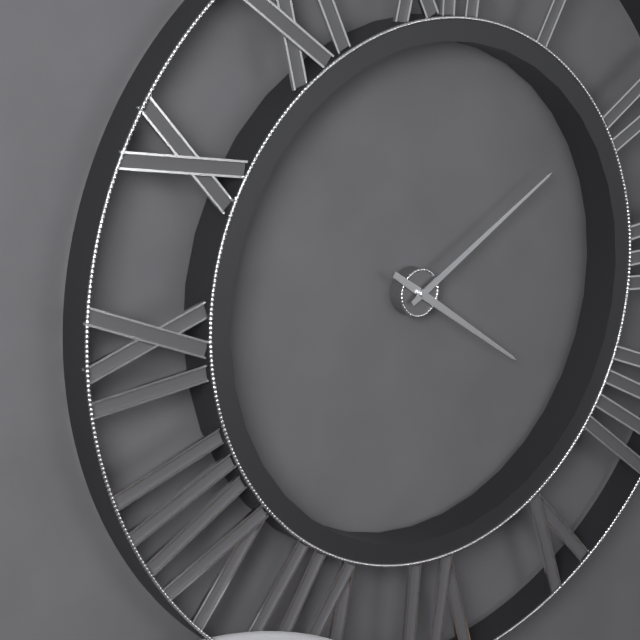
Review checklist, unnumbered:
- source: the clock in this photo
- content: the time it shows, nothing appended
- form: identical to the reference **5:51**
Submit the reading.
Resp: **4:10**
